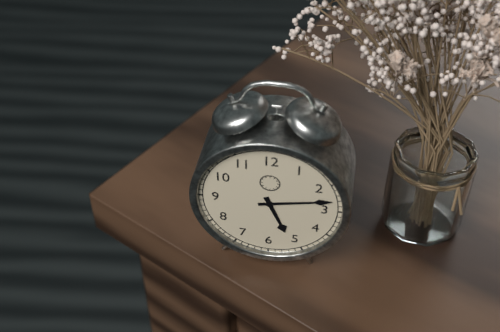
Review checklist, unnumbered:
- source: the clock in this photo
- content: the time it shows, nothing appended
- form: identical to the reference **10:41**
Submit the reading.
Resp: **5:13**
